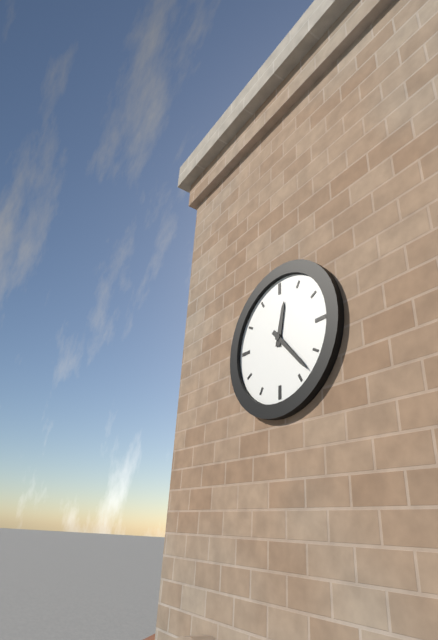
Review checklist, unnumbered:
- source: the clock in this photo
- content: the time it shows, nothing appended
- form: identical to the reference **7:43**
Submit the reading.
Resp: **12:23**
